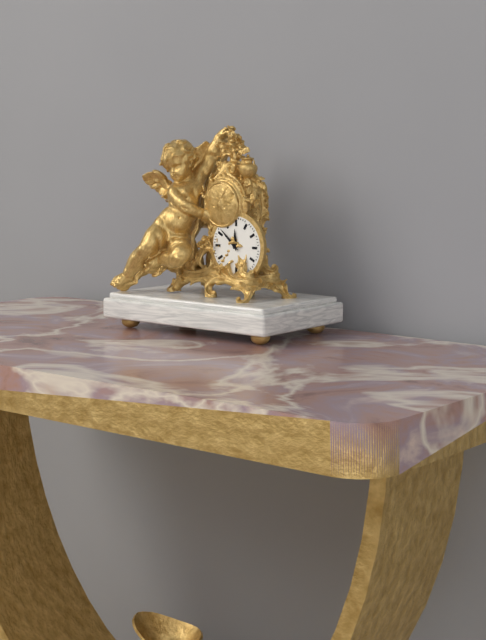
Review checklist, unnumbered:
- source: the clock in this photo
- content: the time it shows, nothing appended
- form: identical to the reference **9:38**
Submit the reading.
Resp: **11:52**
